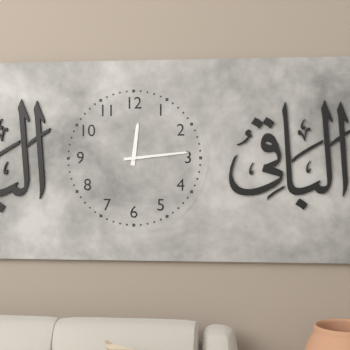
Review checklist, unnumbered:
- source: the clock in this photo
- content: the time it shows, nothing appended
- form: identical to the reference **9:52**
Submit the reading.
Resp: **12:14**
